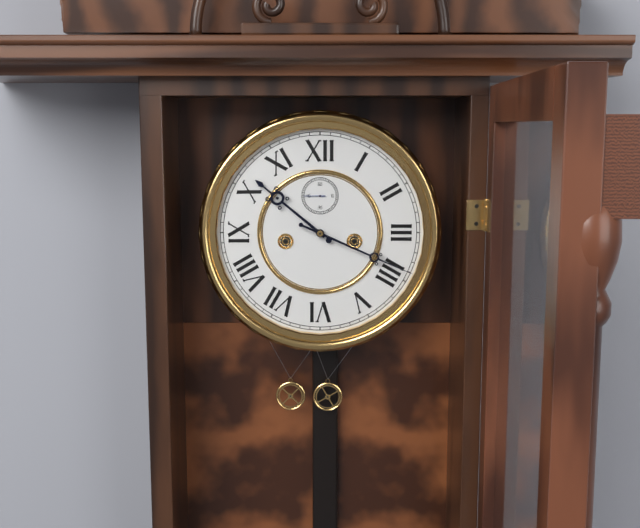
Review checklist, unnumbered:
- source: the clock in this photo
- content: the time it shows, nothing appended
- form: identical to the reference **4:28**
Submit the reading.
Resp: **10:19**
